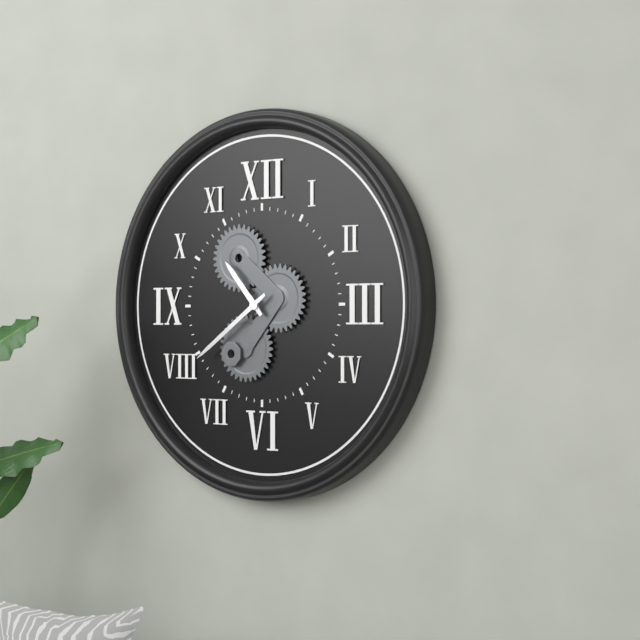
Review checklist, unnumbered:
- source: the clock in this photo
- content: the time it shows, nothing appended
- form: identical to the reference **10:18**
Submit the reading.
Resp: **10:39**
